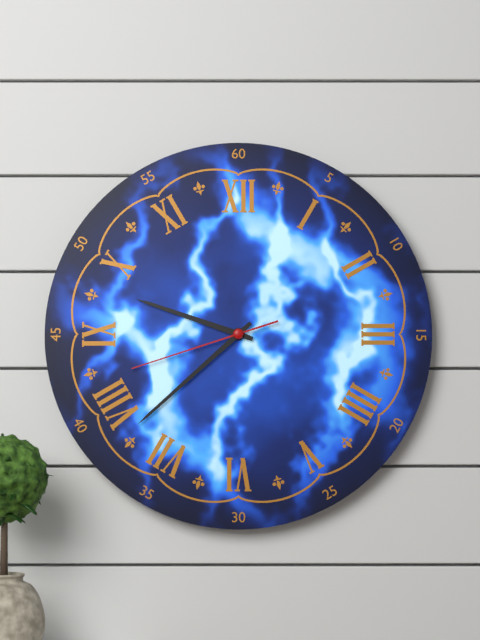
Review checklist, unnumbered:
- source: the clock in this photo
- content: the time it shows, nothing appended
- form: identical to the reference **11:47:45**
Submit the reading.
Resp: **9:38:42**
